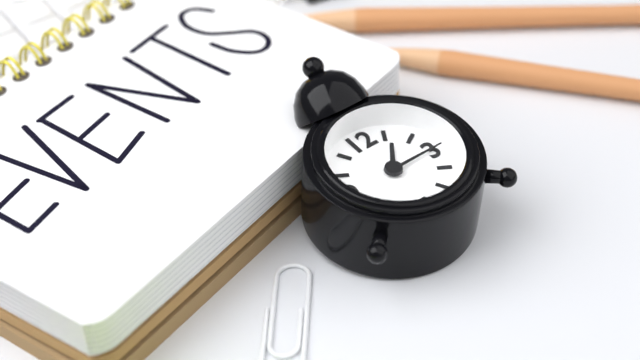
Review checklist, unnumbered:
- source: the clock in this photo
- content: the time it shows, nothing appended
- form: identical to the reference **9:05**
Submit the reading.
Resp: **1:15**
